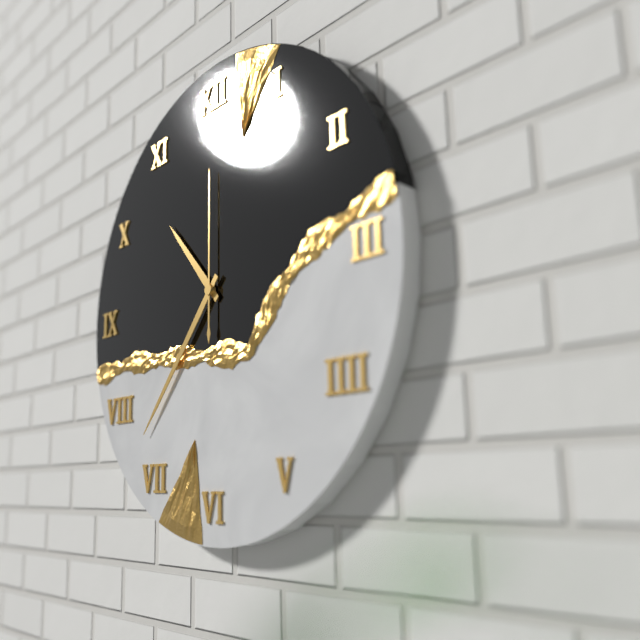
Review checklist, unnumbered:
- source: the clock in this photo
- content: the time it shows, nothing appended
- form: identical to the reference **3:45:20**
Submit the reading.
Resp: **10:37:00**
